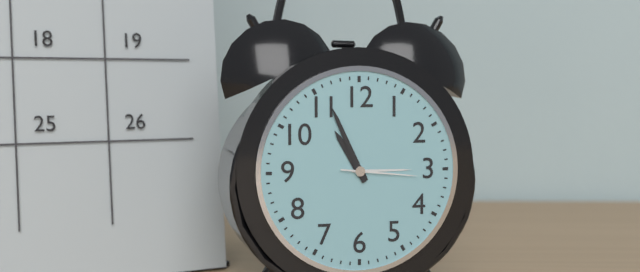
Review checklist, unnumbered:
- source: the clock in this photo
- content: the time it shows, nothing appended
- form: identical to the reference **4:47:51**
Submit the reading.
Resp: **10:56:16**
